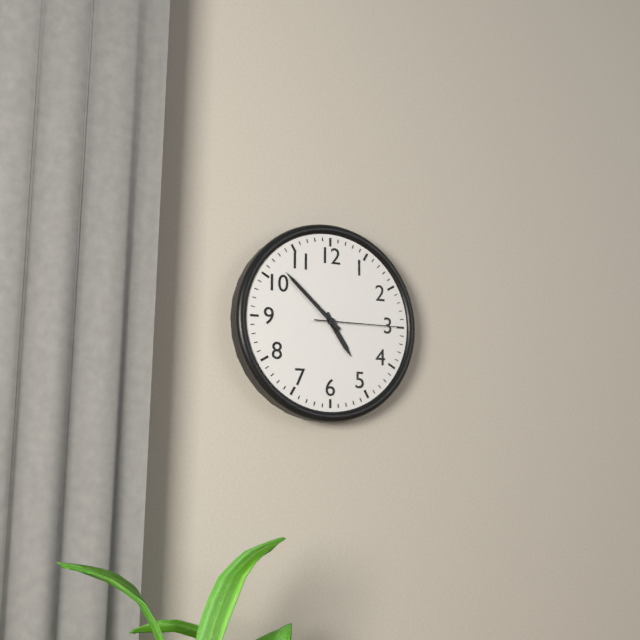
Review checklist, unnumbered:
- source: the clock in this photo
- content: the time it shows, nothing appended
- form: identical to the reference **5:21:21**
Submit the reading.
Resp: **4:52:15**
